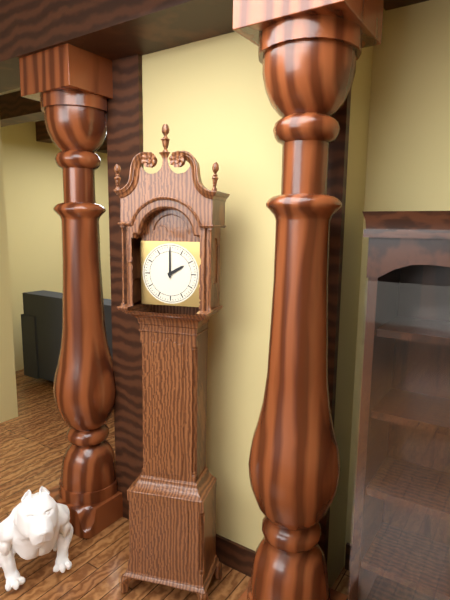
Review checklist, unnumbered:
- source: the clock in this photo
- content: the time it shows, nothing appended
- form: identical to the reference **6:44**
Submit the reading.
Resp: **2:00**
